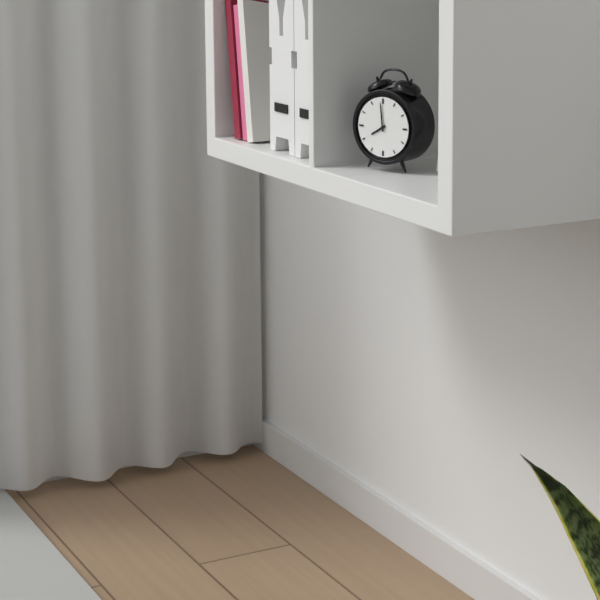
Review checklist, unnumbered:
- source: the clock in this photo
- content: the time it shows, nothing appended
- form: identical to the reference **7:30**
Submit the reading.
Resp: **7:59**
